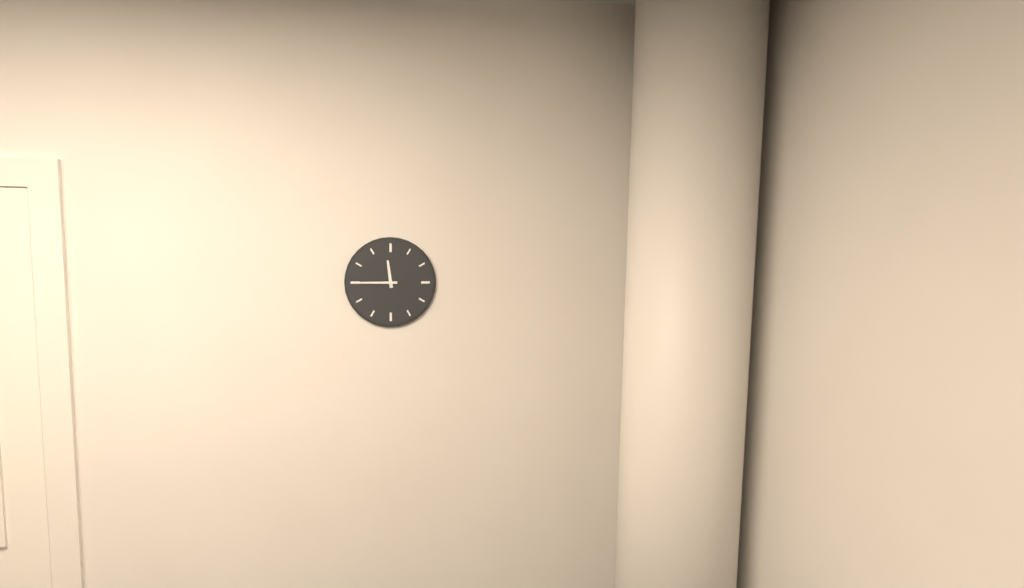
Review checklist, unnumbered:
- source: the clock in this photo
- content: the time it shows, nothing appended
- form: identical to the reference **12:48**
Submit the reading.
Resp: **11:45**
